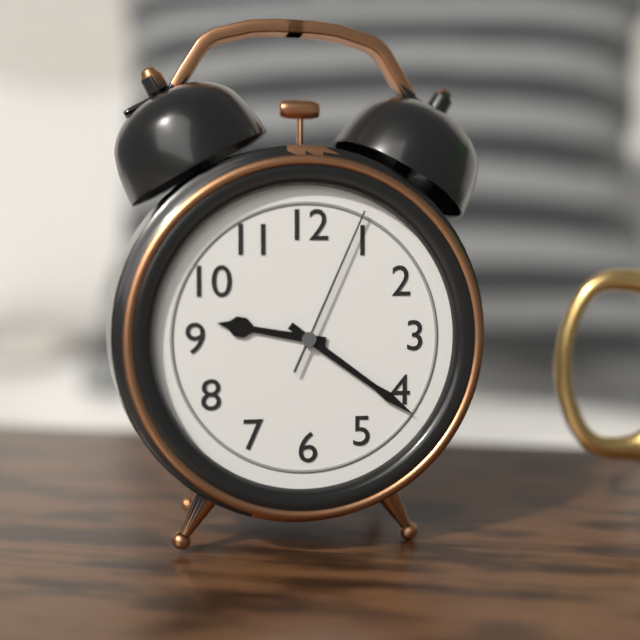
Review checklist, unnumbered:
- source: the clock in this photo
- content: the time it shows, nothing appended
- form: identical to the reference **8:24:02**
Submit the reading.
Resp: **9:21:04**
